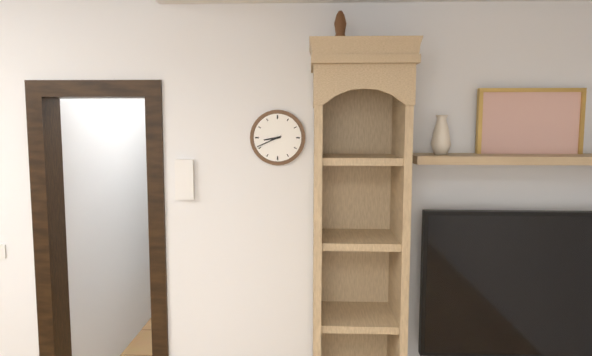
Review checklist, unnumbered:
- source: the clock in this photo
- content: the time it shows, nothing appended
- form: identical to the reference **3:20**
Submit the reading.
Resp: **8:41**
